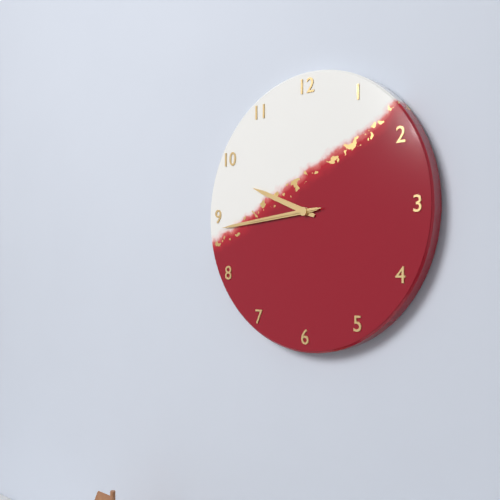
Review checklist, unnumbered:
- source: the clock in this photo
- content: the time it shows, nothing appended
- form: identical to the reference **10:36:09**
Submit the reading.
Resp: **9:44:44**
